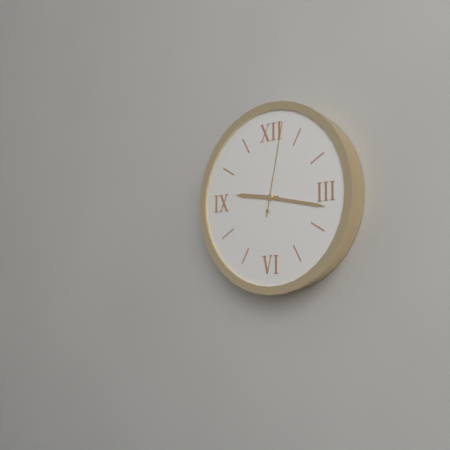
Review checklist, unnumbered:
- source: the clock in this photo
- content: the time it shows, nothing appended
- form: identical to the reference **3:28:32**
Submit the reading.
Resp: **9:17:02**
